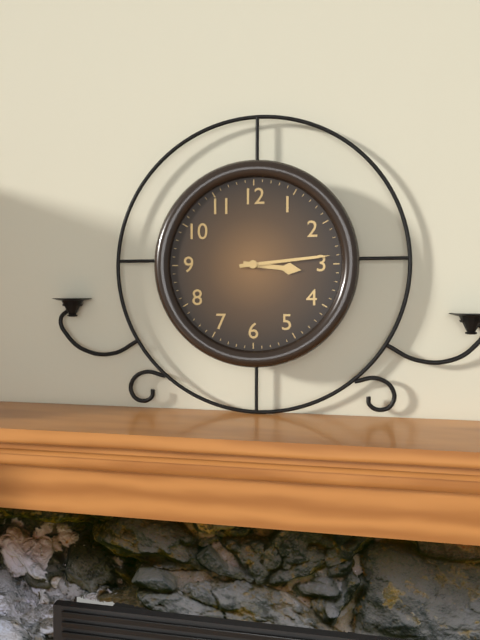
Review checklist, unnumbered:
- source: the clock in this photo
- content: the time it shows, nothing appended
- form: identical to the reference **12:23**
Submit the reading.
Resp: **3:14**
